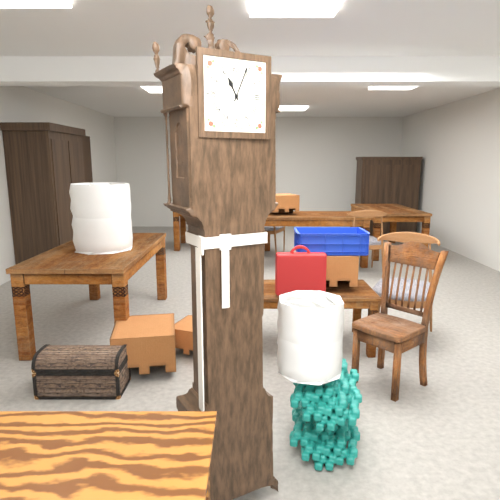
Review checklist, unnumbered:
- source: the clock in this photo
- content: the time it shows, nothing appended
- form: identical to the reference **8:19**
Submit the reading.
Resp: **11:04**
